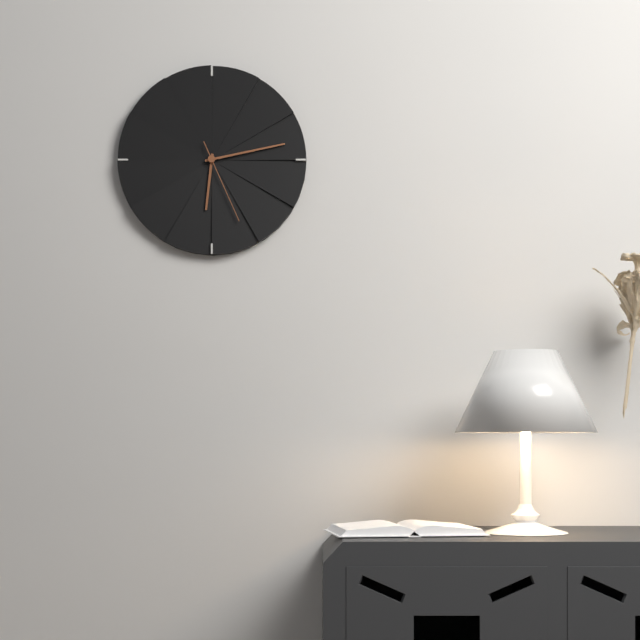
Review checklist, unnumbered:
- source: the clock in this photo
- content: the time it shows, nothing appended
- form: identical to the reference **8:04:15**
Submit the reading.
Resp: **6:13:26**
